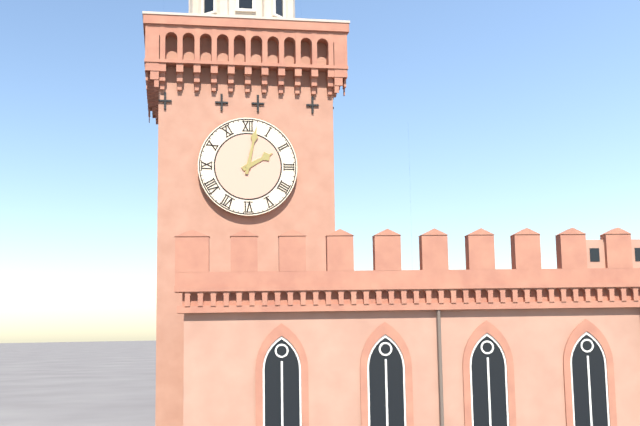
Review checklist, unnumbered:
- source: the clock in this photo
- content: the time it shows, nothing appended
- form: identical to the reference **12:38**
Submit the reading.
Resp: **2:02**
